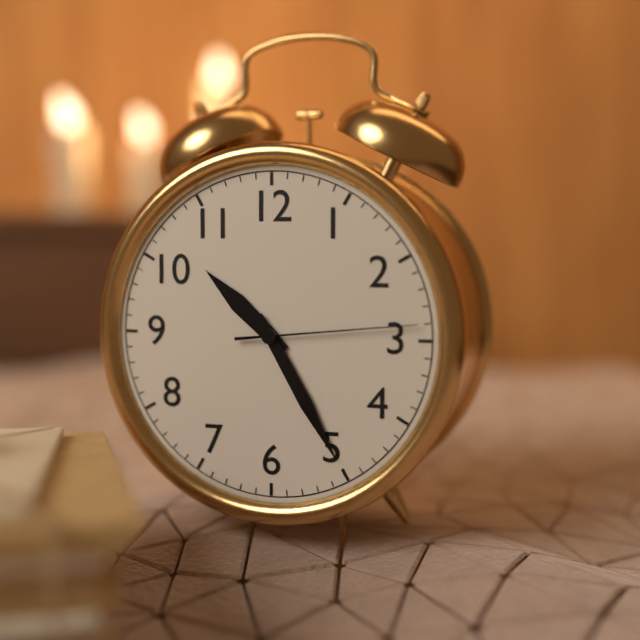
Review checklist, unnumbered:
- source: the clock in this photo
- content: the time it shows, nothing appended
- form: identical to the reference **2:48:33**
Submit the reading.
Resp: **10:25:14**
